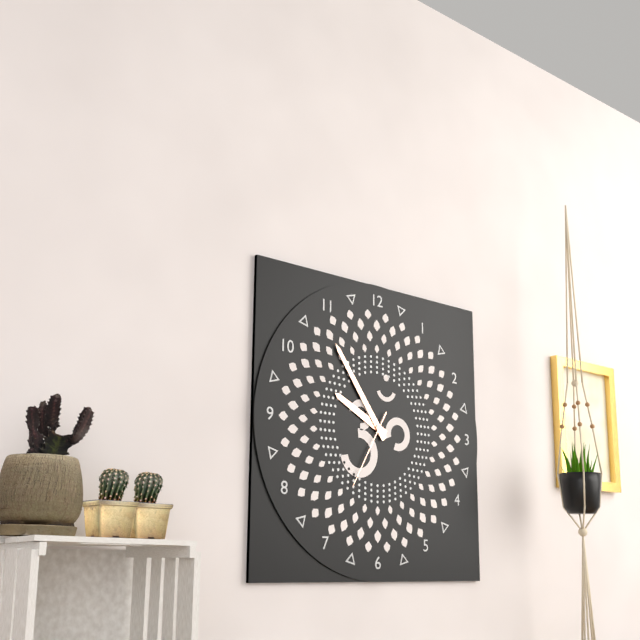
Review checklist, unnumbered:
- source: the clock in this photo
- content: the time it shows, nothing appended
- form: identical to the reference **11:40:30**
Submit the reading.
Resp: **9:54:35**
